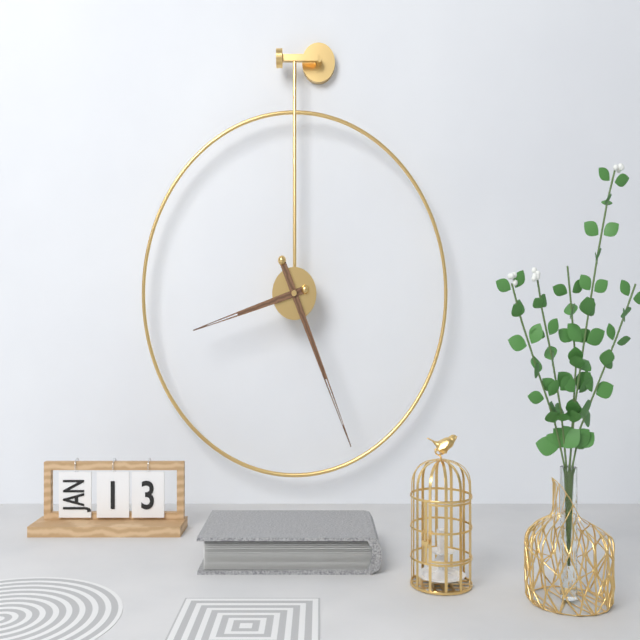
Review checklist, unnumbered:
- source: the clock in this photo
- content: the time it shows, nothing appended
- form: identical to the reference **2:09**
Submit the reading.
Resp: **8:26**
